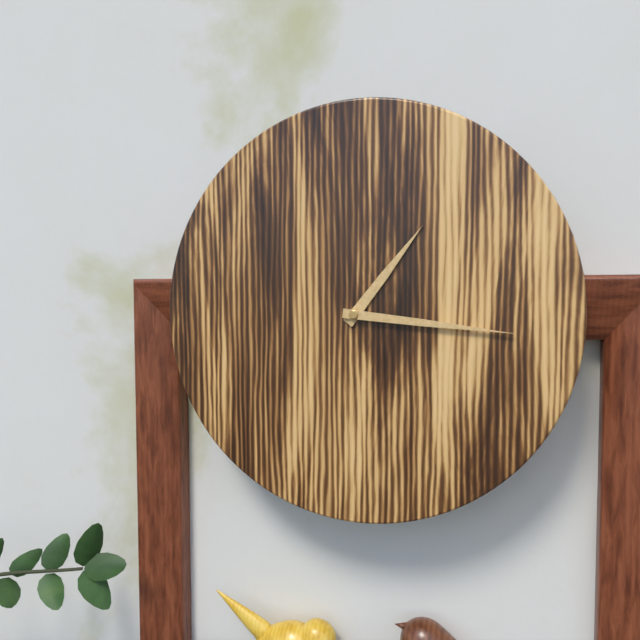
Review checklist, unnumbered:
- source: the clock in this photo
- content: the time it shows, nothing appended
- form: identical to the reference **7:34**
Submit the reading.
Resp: **1:16**
